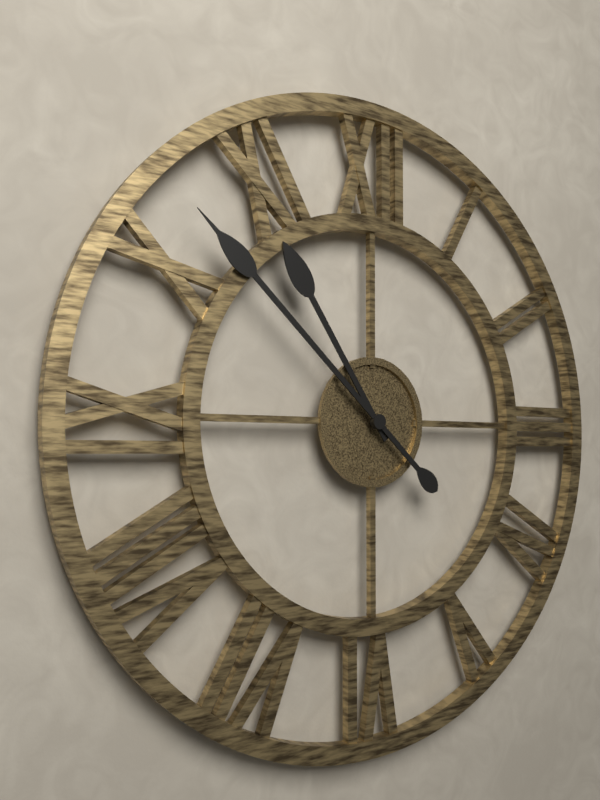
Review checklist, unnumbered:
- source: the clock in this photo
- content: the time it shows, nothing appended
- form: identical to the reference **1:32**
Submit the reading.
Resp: **10:52**
